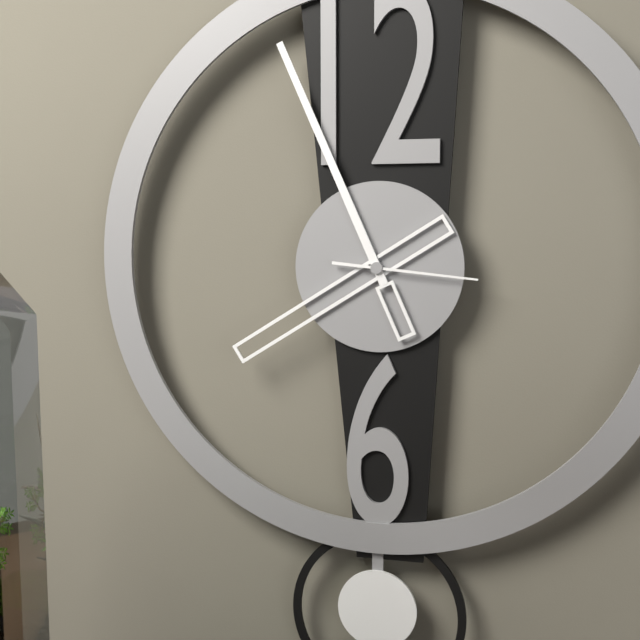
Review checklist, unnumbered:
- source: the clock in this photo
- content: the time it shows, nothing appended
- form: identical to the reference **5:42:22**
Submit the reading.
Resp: **7:56:16**
